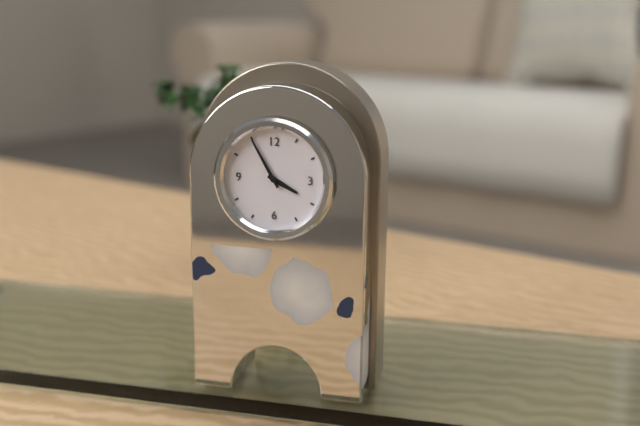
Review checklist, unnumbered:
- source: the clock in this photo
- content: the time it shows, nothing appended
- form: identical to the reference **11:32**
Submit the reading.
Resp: **3:55**
